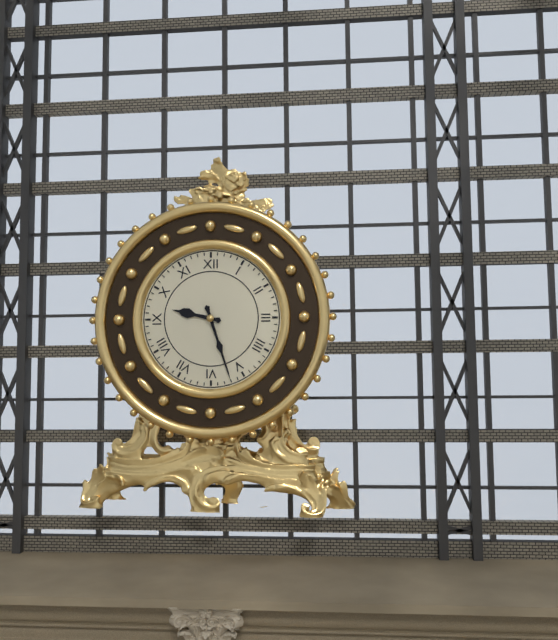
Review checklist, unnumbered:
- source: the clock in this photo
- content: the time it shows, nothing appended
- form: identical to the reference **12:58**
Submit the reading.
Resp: **9:27**
